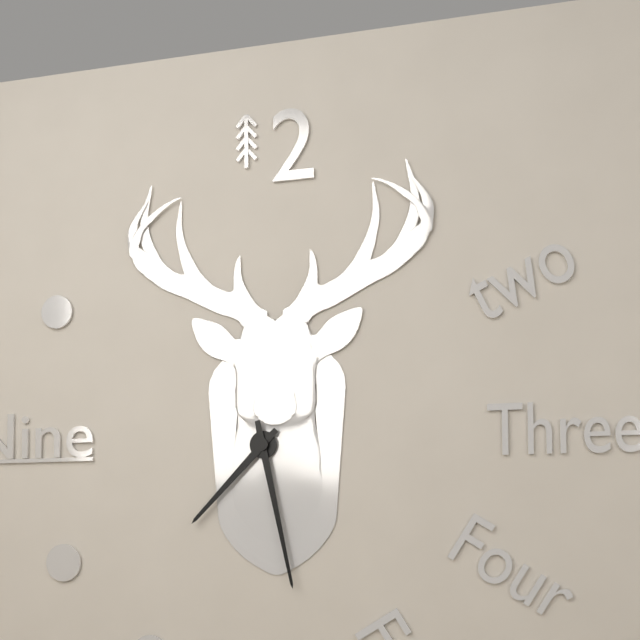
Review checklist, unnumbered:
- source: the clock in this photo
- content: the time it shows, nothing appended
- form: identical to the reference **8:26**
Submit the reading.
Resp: **7:28**
